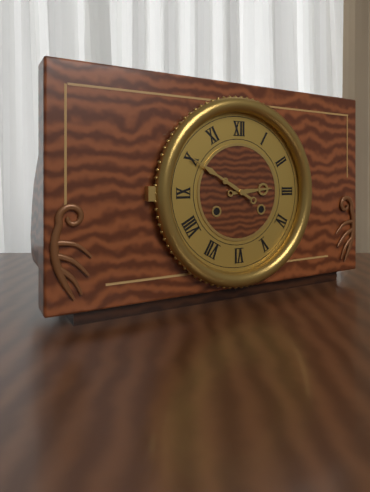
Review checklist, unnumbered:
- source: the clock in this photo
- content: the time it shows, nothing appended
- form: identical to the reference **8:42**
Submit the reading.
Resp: **2:50**
